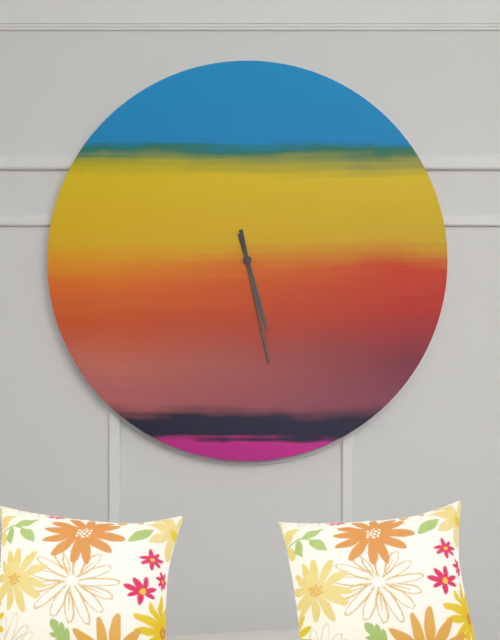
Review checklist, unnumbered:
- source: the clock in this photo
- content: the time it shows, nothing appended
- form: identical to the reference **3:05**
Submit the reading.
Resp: **5:28**
